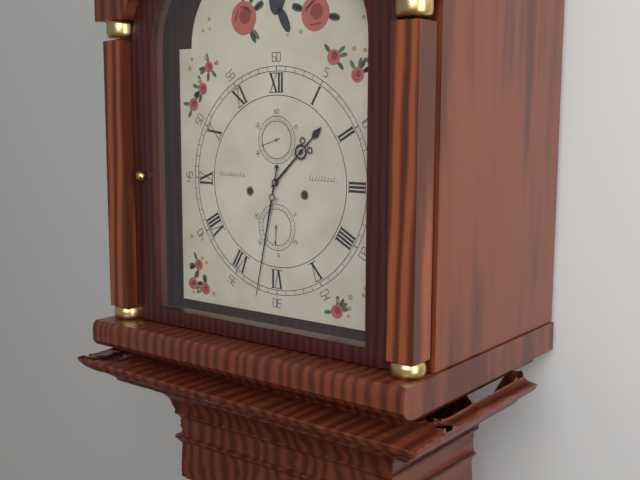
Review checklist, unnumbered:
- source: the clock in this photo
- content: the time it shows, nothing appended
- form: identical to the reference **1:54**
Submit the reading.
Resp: **1:32**
